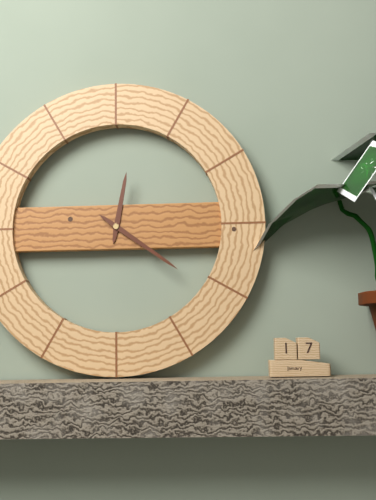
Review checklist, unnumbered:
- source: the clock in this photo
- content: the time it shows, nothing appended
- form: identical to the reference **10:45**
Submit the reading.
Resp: **12:21**
